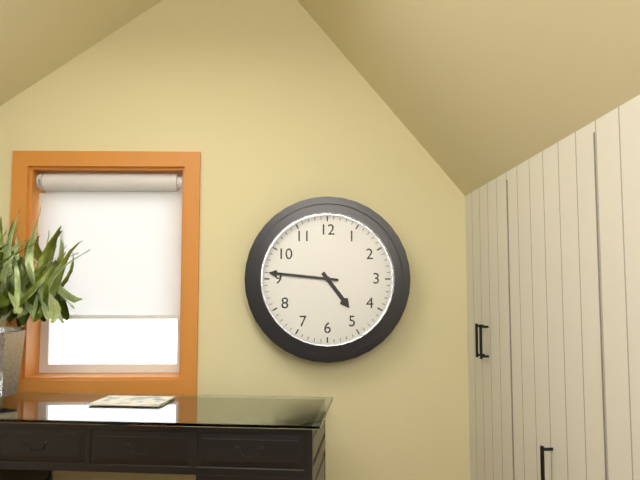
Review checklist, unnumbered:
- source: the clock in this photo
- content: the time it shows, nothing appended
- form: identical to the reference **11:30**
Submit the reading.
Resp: **4:46**
